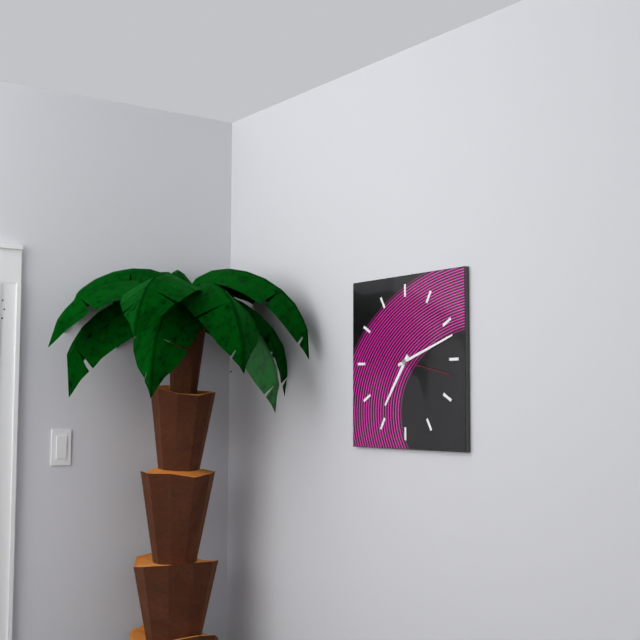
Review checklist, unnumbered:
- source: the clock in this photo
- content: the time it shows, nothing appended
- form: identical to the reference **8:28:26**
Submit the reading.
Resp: **7:12:17**
